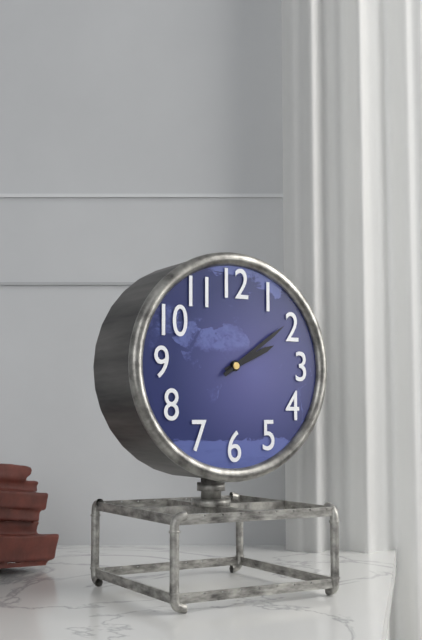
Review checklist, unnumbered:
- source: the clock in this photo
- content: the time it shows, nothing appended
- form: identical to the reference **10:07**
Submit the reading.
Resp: **2:09**
